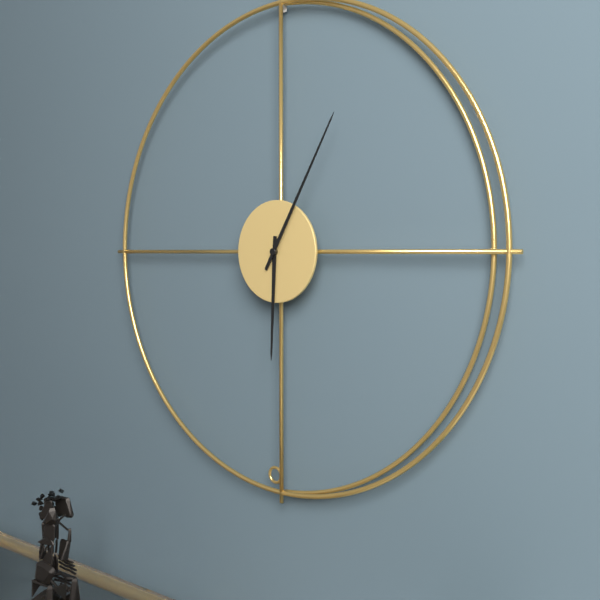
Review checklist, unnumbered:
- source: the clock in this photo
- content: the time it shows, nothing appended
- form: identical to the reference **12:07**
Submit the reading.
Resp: **6:05**
